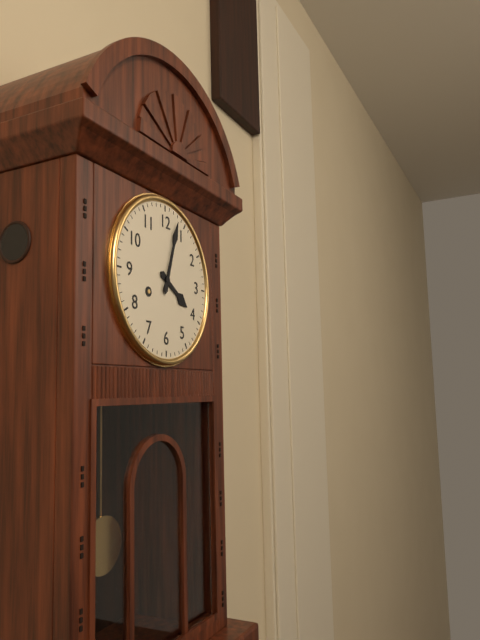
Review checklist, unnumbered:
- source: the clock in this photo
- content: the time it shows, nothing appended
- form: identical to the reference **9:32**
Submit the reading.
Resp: **4:03**
